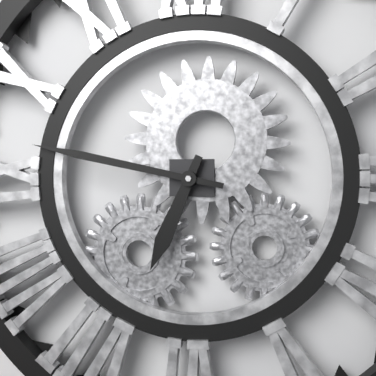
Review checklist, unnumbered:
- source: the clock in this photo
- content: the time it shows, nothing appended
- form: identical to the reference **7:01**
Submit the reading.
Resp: **6:47**
